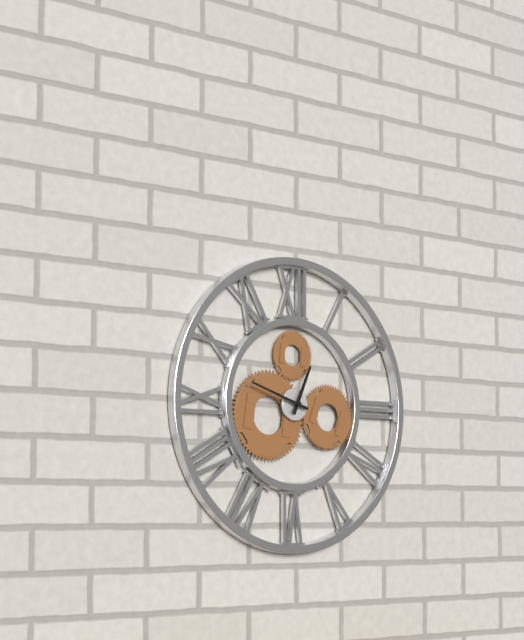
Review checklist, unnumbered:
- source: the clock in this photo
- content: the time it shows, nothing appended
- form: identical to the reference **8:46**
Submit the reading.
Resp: **12:48**
